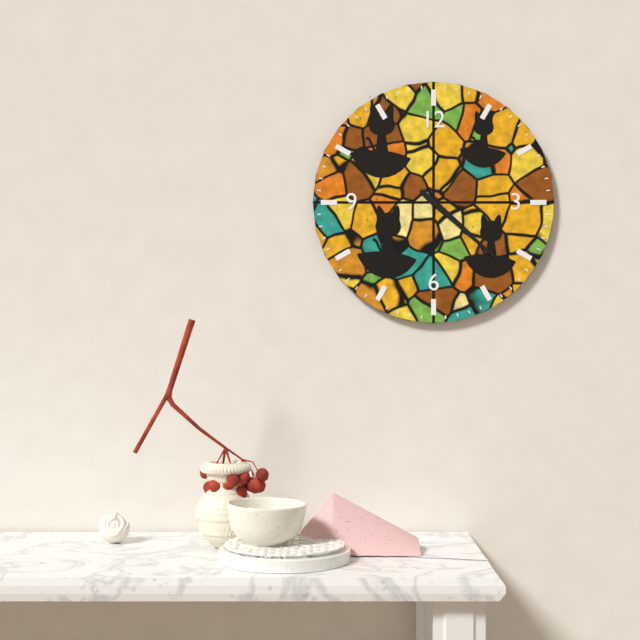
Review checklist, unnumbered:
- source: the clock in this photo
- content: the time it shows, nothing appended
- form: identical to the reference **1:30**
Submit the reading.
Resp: **4:22**
